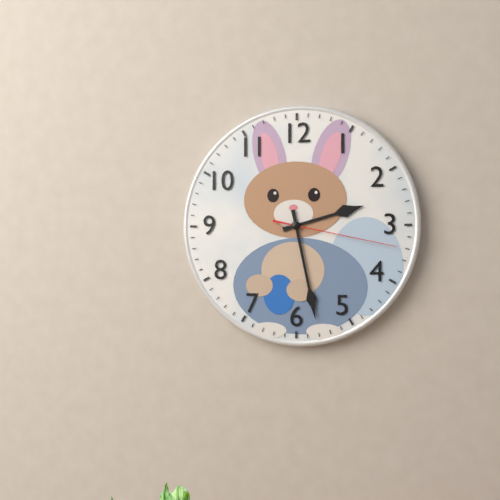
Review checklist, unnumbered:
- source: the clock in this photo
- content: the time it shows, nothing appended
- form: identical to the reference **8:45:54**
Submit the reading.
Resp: **2:28:17**
